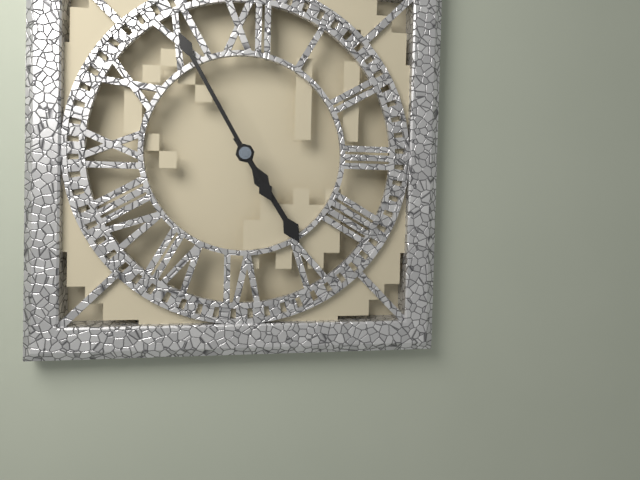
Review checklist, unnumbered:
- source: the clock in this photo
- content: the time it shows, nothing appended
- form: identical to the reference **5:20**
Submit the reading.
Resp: **4:55**
